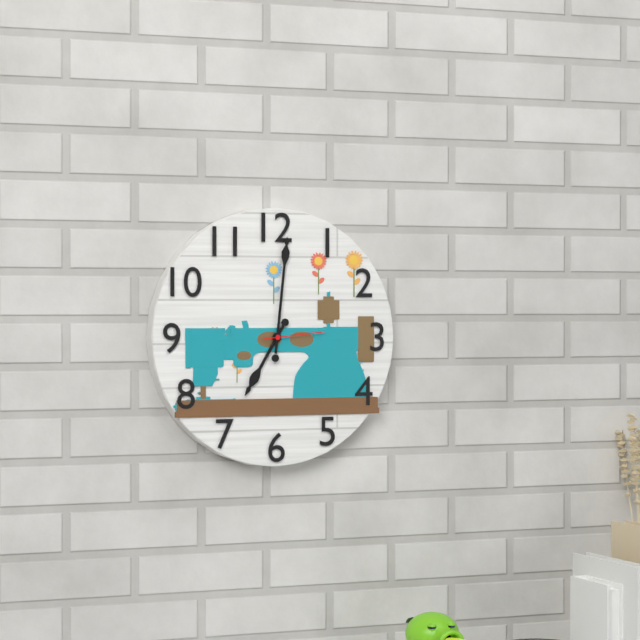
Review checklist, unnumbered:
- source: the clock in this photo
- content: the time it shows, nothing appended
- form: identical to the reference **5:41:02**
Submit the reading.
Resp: **7:01:14**
